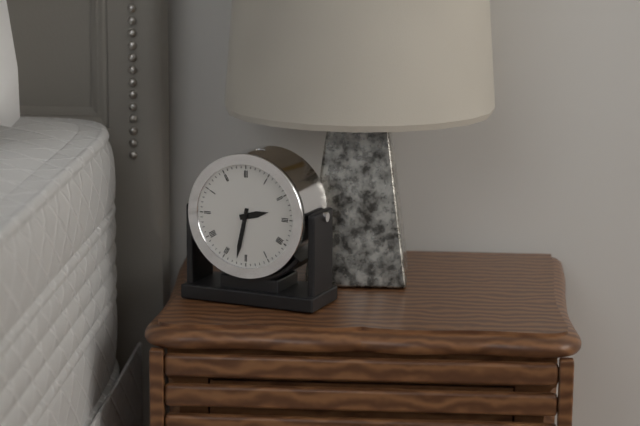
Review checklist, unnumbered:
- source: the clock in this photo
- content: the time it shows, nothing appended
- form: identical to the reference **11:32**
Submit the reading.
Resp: **2:32**
